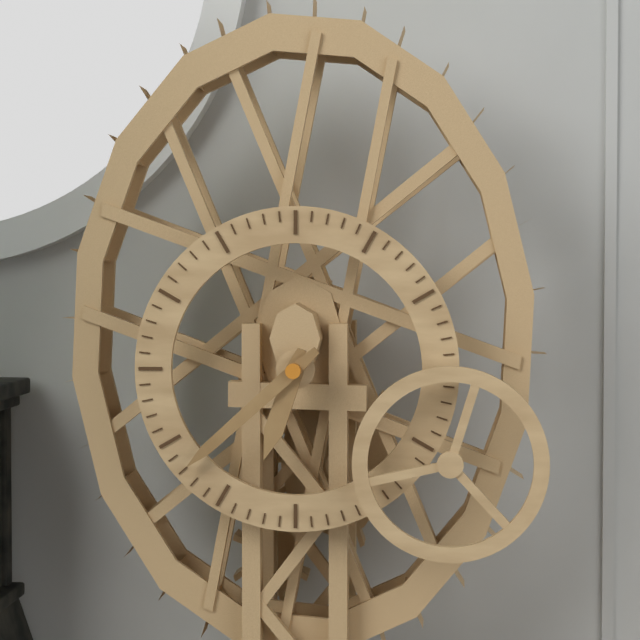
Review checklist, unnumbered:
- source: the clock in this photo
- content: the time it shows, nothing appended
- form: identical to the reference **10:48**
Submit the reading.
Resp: **6:38**
